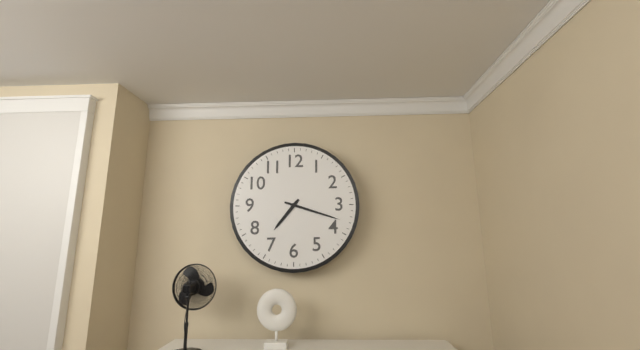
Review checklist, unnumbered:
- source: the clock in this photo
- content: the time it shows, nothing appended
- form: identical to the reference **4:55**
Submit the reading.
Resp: **7:18**
